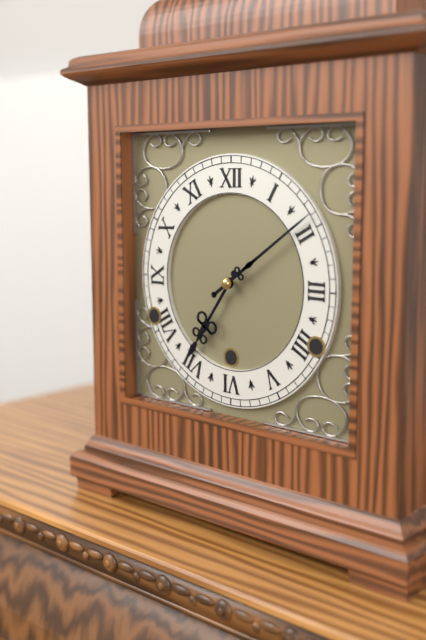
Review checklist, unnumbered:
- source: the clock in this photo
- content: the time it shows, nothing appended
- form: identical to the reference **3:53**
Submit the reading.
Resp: **7:09**
